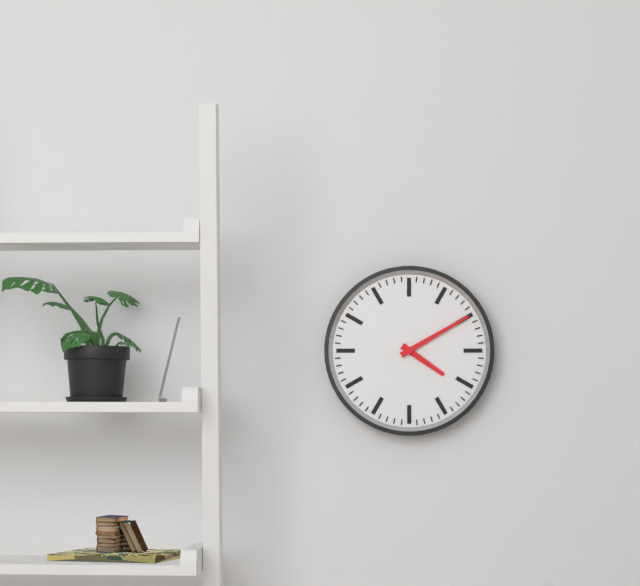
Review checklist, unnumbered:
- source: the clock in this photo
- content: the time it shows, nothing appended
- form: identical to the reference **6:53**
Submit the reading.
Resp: **4:10**
